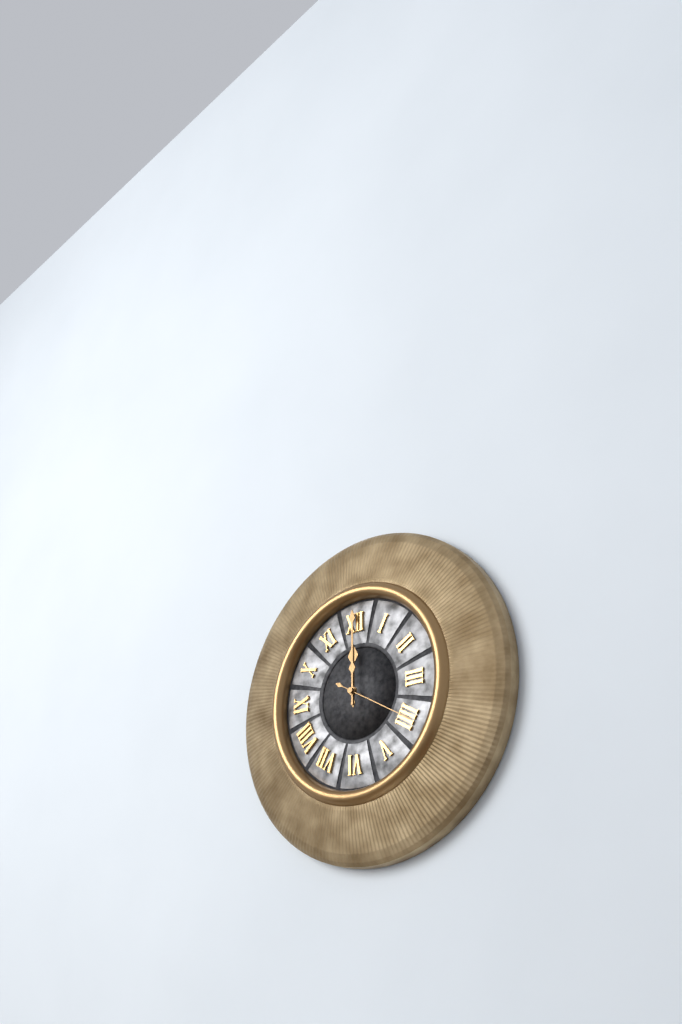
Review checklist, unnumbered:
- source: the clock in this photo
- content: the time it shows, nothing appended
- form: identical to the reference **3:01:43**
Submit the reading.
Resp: **12:00:20**
